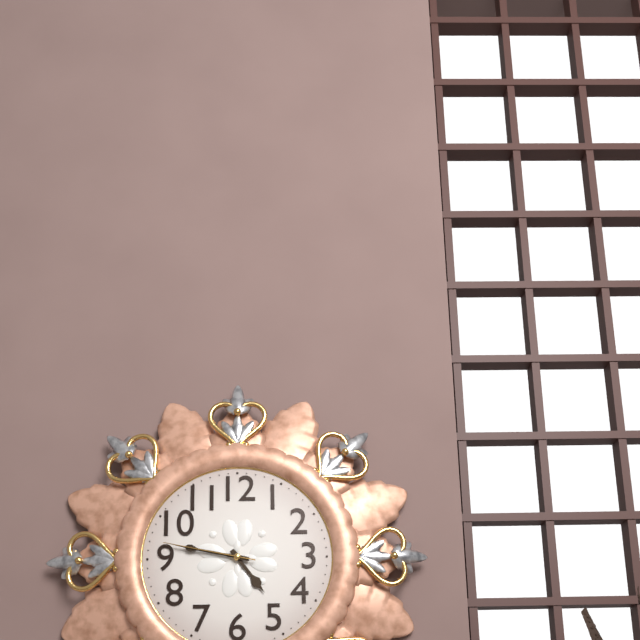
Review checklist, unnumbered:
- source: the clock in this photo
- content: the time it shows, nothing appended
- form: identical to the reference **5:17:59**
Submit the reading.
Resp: **4:47:47**
